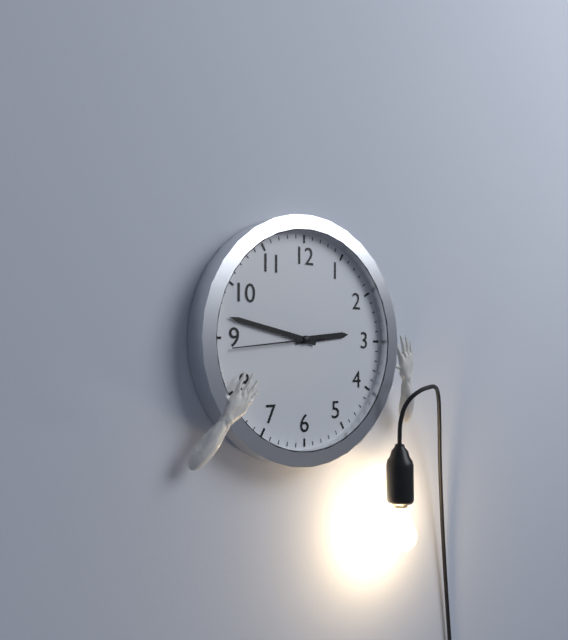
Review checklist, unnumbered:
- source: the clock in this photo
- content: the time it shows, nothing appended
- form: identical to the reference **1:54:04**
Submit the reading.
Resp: **2:47:44**
